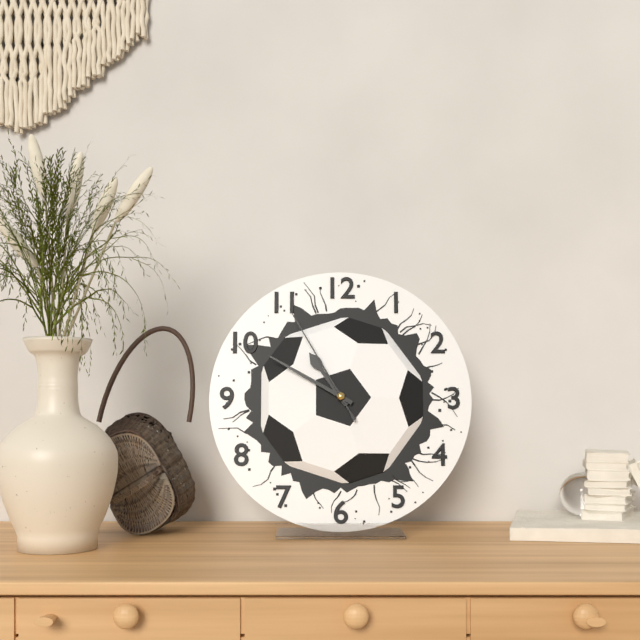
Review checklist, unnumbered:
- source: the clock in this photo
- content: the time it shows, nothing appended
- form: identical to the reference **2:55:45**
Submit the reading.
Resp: **10:50:55**
